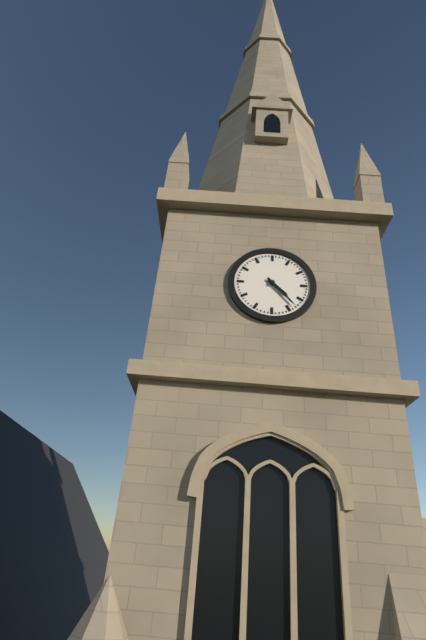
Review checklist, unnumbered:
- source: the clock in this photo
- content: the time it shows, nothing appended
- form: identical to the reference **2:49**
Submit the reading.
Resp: **4:23**
